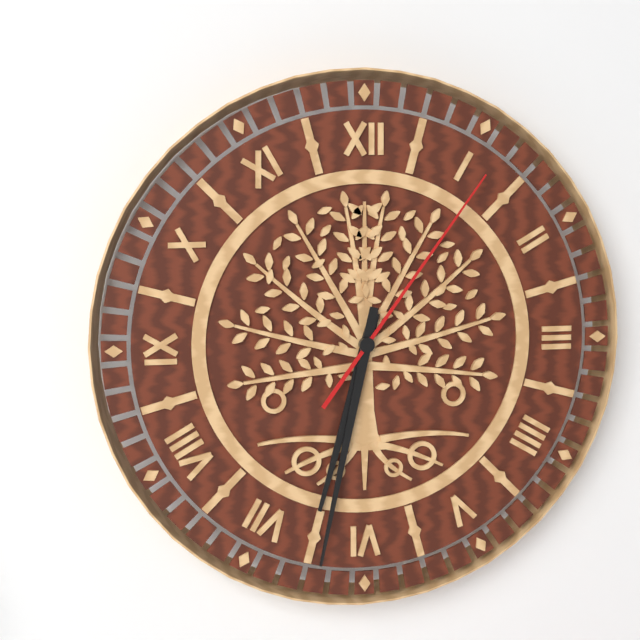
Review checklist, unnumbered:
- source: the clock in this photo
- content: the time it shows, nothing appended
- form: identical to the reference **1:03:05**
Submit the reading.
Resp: **6:32:06**
